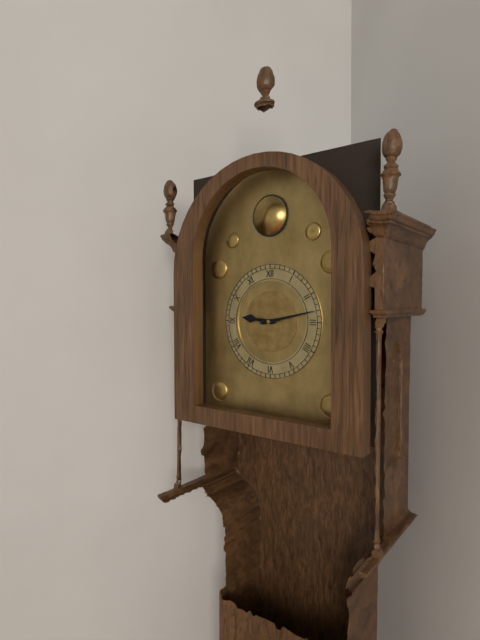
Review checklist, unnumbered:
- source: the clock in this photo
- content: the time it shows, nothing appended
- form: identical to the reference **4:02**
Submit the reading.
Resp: **9:13**
